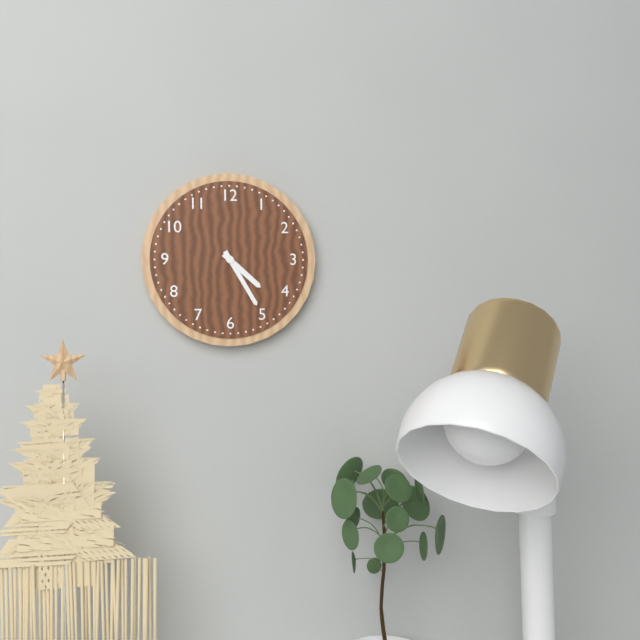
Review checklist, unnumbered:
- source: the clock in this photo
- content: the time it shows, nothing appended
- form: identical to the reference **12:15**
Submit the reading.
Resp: **4:25**
